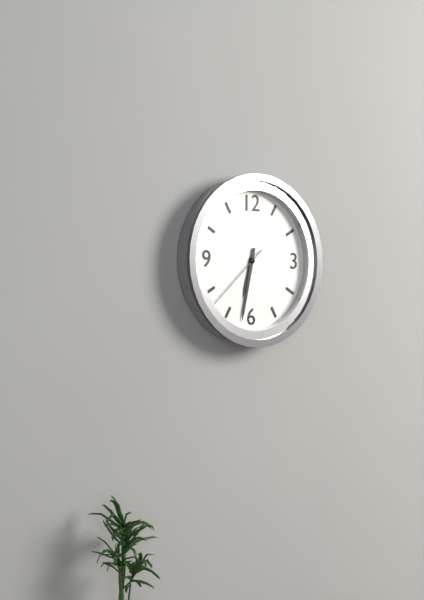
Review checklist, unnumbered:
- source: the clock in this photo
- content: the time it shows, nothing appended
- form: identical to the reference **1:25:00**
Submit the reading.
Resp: **6:32:38**
